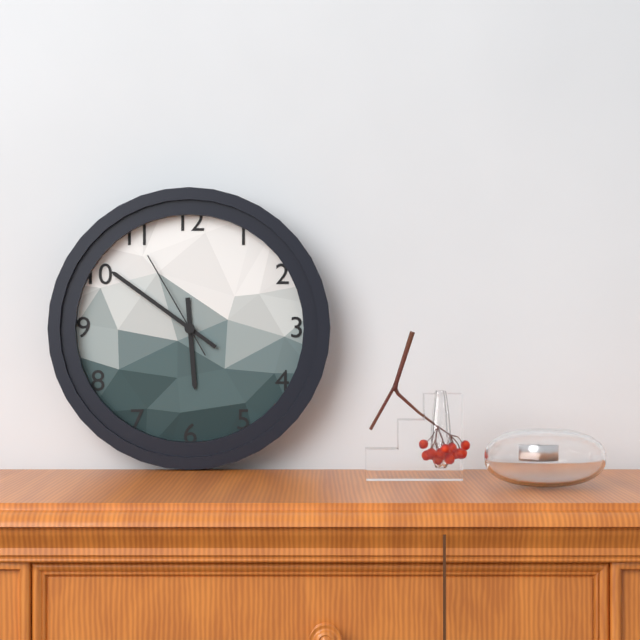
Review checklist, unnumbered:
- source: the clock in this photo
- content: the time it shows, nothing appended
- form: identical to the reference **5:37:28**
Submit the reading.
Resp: **5:51:55**
